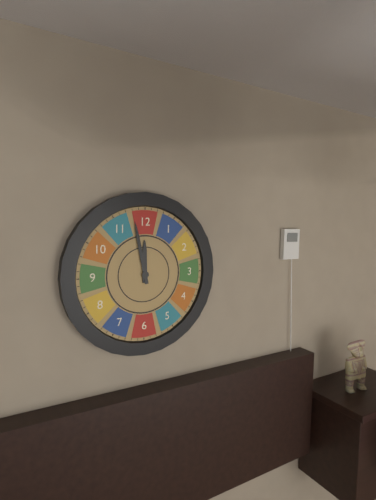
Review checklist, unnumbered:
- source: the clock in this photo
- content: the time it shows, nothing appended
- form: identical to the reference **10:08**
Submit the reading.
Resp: **11:58**
